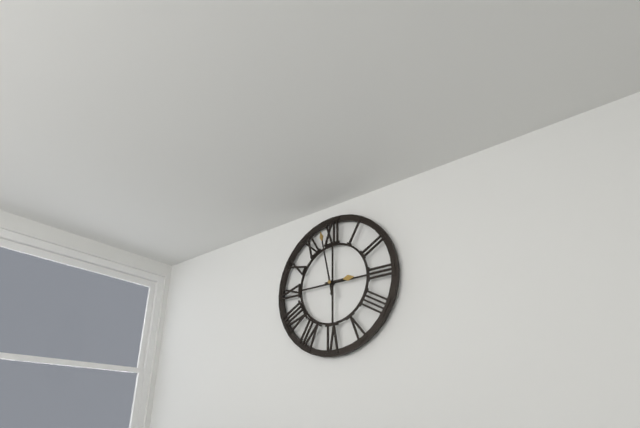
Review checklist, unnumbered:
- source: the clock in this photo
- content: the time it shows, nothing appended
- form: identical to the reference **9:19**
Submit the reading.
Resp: **2:58**
